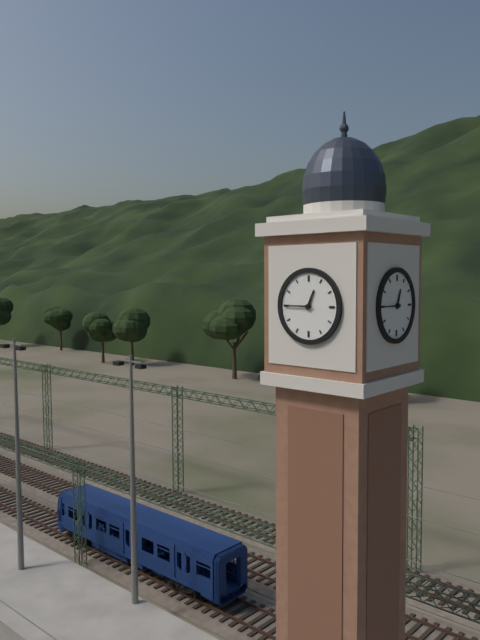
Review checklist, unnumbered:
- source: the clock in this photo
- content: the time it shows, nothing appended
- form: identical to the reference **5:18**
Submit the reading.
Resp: **12:45**
